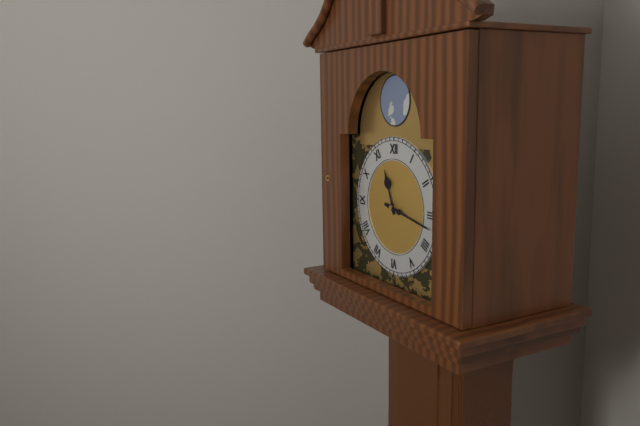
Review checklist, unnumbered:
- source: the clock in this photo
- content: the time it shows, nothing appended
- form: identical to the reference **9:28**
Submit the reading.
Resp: **11:17**
